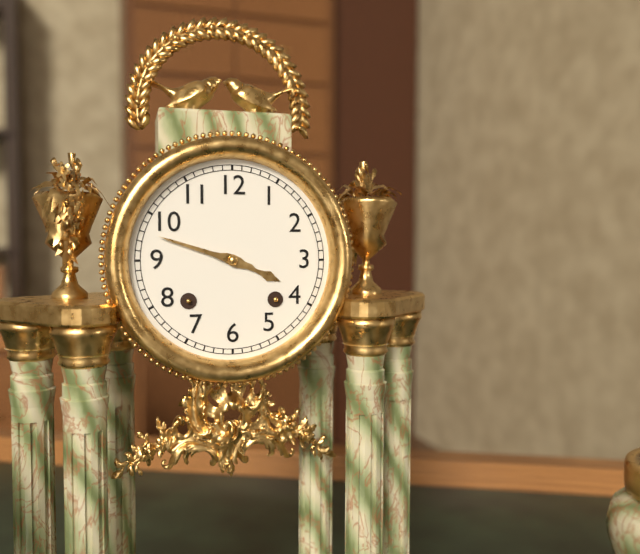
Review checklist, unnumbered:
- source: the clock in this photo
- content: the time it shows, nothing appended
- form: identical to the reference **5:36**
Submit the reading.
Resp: **3:48**
